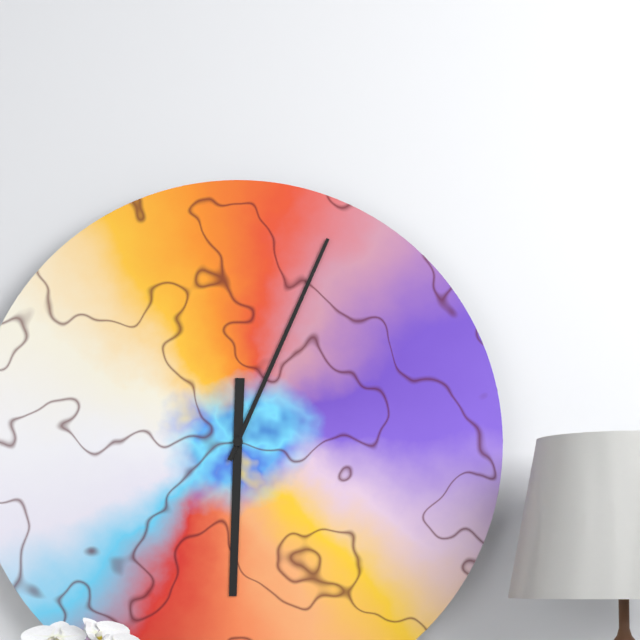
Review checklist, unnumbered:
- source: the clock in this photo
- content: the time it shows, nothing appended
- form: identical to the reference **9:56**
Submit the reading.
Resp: **6:04**
